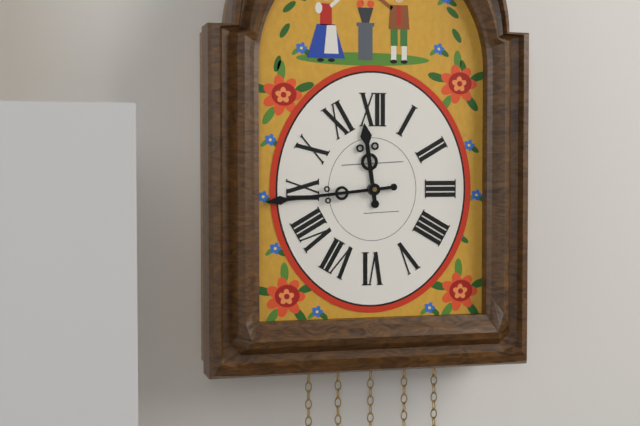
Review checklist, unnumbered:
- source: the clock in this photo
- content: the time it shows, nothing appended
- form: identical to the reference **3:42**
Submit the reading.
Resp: **11:44**
